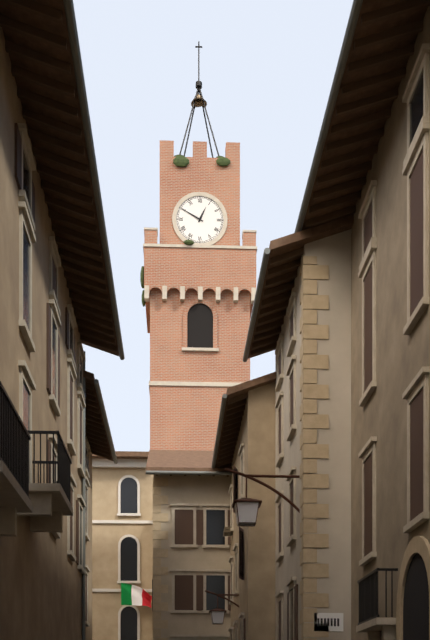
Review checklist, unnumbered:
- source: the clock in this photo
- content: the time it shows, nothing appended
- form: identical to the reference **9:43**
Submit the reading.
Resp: **12:50**
